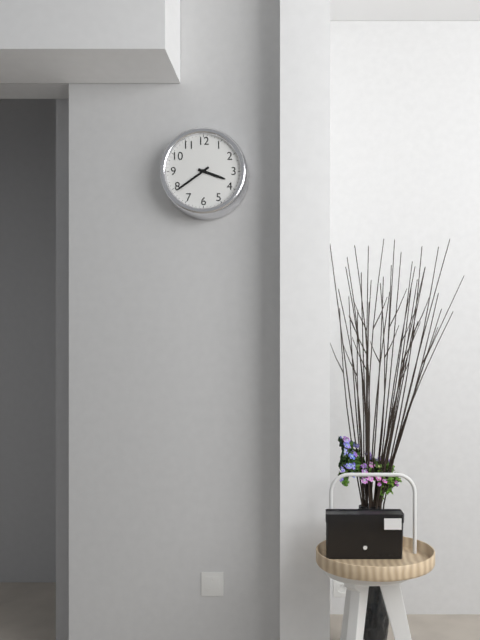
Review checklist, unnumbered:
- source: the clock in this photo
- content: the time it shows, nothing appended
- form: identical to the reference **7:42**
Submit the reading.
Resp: **3:39**
